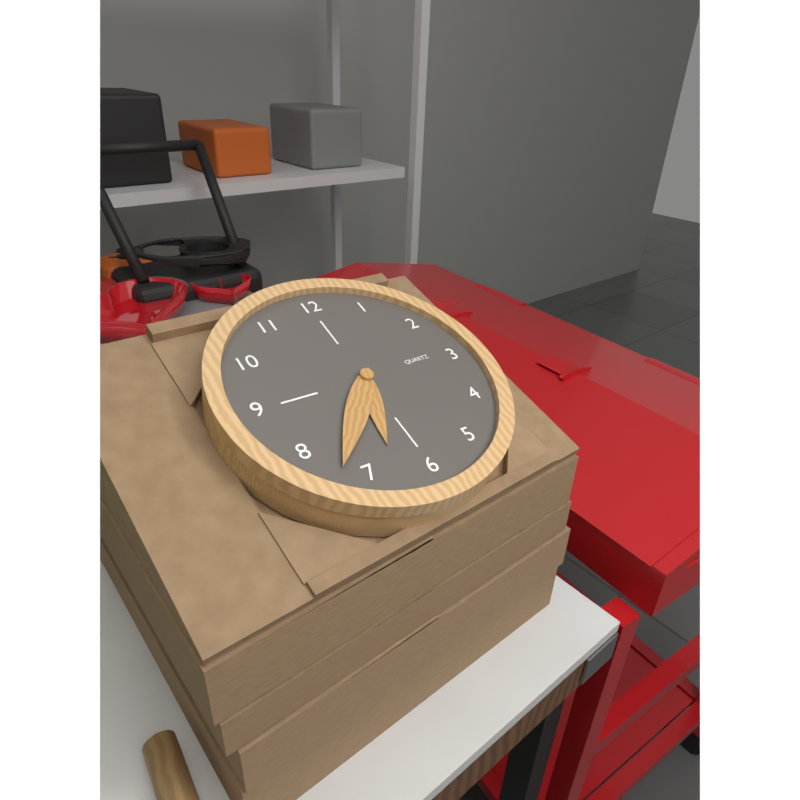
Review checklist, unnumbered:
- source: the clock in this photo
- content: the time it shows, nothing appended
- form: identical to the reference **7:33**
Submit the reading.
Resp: **6:37**
